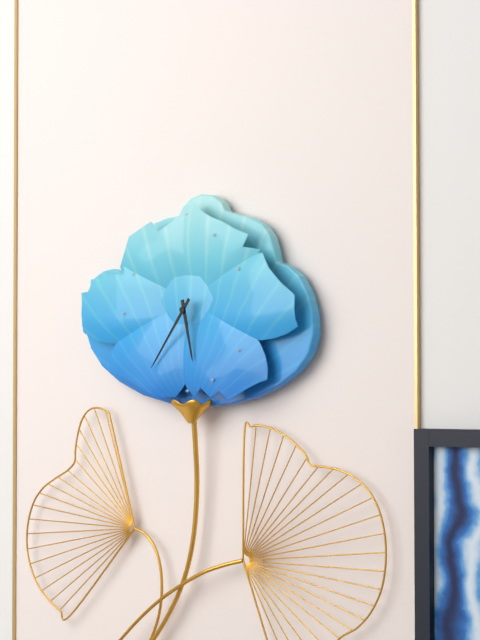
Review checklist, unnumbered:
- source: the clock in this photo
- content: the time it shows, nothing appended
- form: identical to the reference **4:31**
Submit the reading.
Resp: **5:36**
